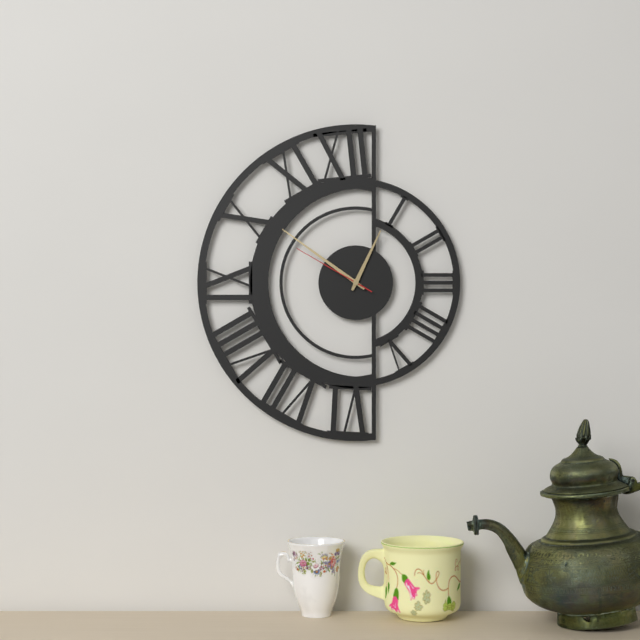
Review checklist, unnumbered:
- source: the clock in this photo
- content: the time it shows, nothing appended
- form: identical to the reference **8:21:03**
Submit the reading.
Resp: **12:51:50**
